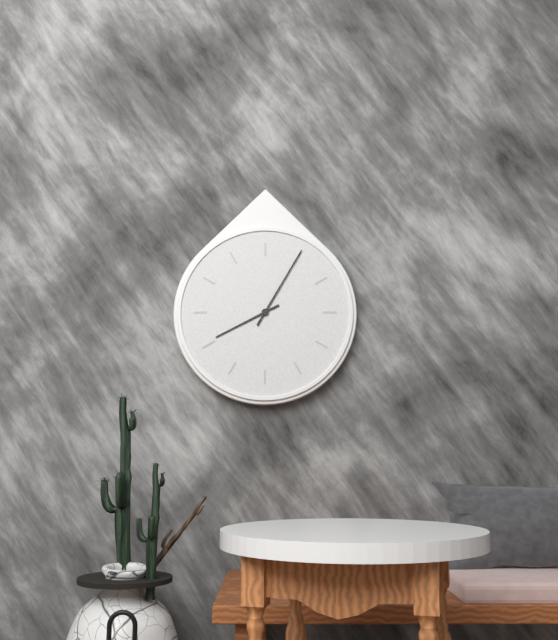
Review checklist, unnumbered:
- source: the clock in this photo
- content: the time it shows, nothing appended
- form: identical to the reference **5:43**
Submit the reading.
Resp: **8:05**
